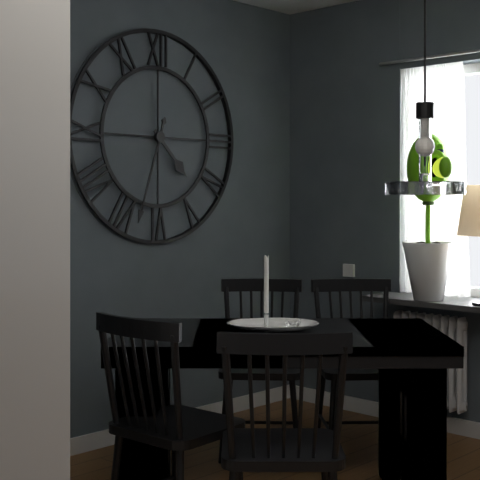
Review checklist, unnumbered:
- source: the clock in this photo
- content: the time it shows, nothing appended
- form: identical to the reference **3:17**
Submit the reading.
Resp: **4:33**
